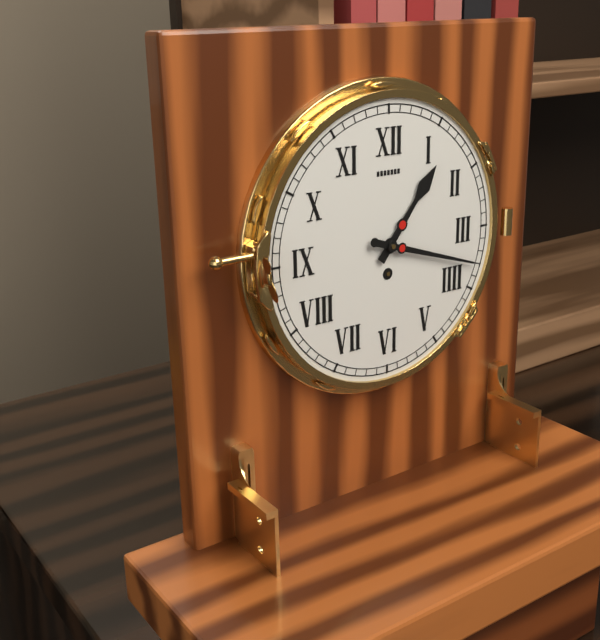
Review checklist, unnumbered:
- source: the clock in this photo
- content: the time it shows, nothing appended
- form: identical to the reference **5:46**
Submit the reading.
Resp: **1:18**
